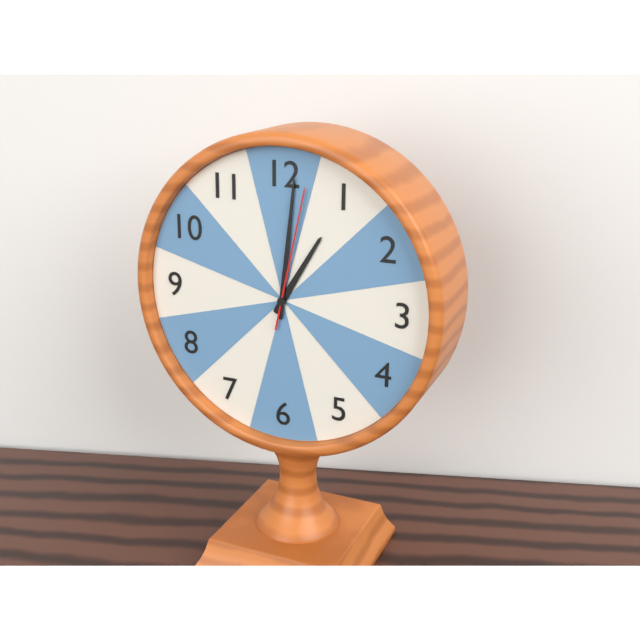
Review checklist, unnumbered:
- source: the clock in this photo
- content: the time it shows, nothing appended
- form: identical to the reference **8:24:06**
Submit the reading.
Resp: **1:01:02**
